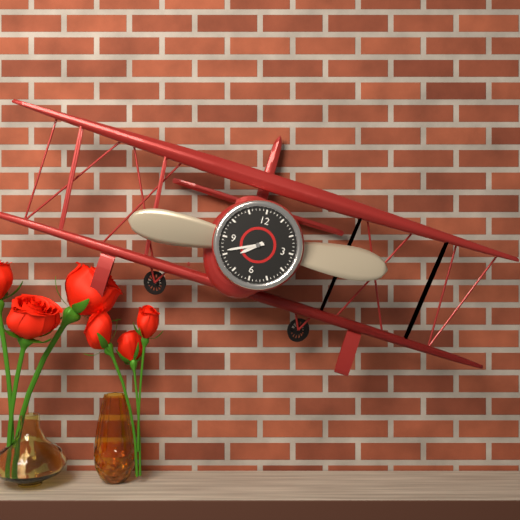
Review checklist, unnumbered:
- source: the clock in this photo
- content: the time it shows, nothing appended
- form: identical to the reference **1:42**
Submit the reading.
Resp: **7:41**
